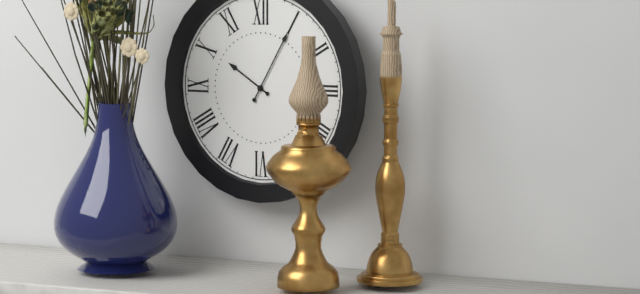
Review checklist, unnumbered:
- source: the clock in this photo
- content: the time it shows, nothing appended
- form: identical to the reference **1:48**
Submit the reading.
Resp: **10:05**
